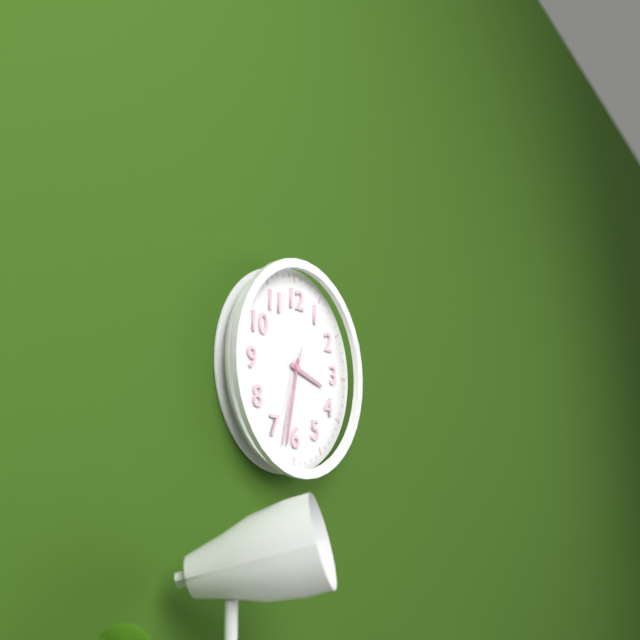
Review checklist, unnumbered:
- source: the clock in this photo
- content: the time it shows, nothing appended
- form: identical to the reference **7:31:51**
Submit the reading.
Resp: **3:32:33**
